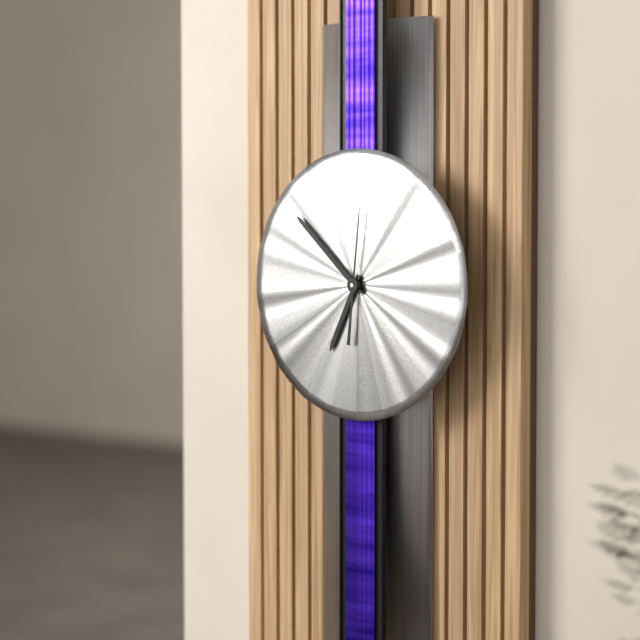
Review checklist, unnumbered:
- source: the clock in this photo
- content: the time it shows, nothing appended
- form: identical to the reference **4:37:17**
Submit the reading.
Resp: **6:52:01**
